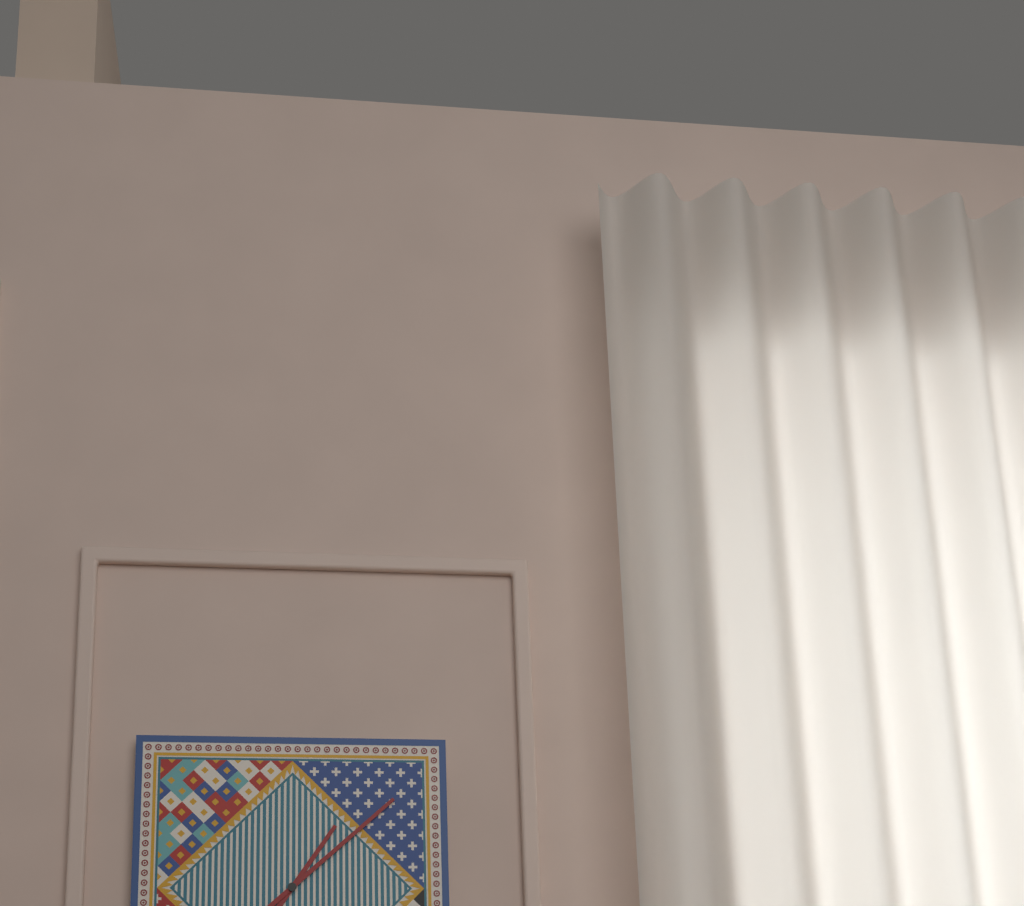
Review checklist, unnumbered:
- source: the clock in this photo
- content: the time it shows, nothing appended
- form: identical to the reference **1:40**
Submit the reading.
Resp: **1:08**
